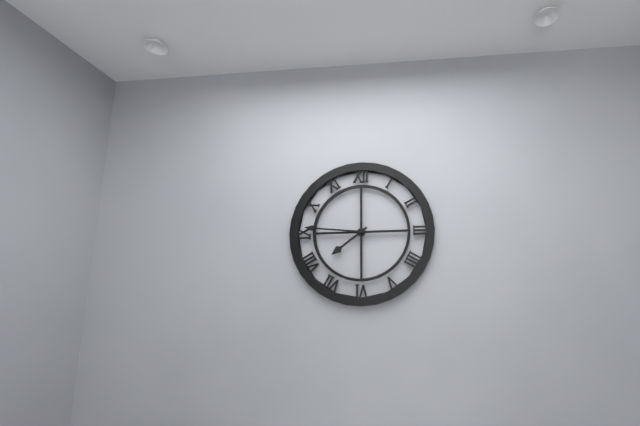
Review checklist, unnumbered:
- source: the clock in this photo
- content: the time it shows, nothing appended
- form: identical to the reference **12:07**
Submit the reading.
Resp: **7:46**
